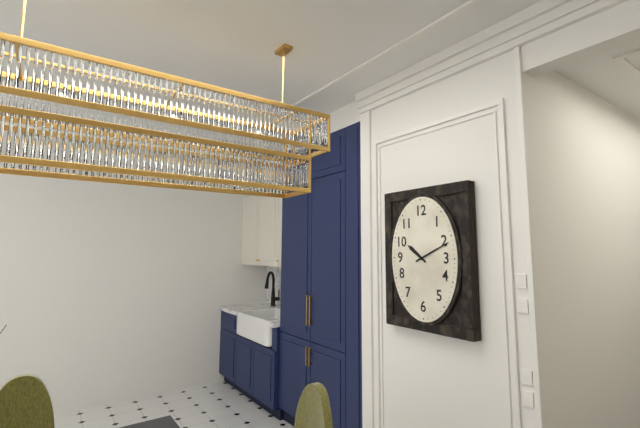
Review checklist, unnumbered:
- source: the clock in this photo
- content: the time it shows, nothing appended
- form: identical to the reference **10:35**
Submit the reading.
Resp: **10:11**
